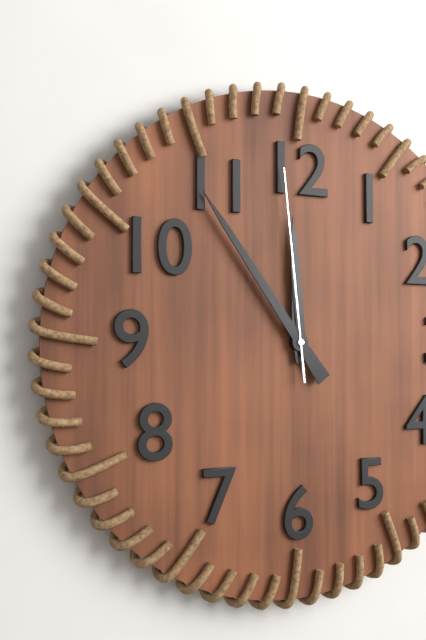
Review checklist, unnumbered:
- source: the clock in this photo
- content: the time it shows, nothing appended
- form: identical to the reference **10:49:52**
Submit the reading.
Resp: **11:54:59**
